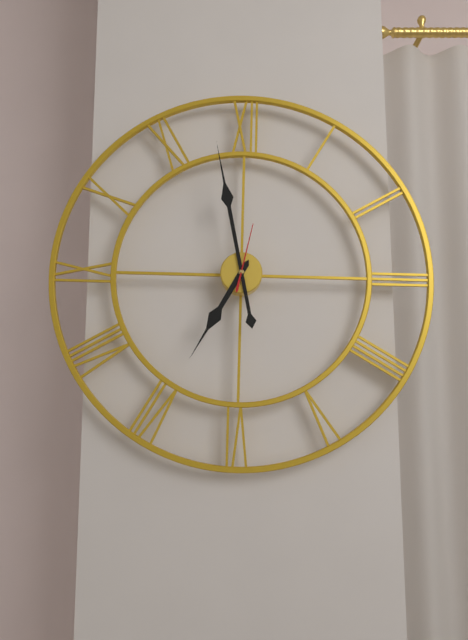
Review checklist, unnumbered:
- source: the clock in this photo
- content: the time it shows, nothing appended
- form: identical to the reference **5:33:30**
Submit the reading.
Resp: **6:58:02**
